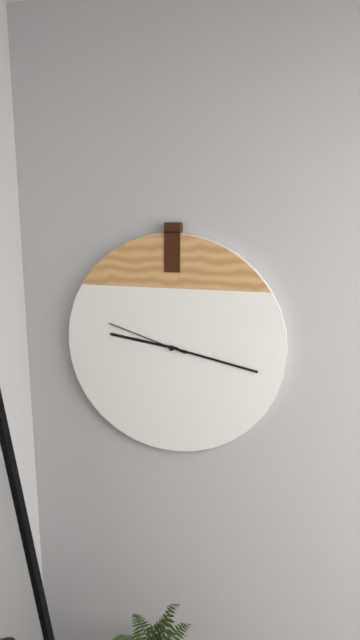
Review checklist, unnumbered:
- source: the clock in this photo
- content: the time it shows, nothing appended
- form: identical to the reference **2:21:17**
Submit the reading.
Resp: **9:17:48**
